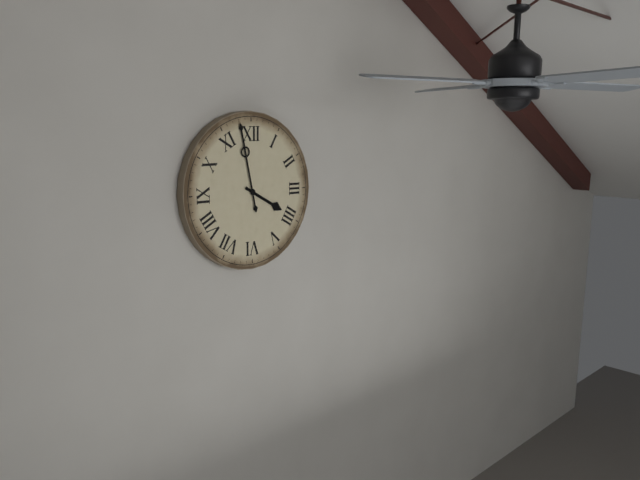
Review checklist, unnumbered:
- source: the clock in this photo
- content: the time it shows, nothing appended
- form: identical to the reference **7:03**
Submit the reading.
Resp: **3:58**
